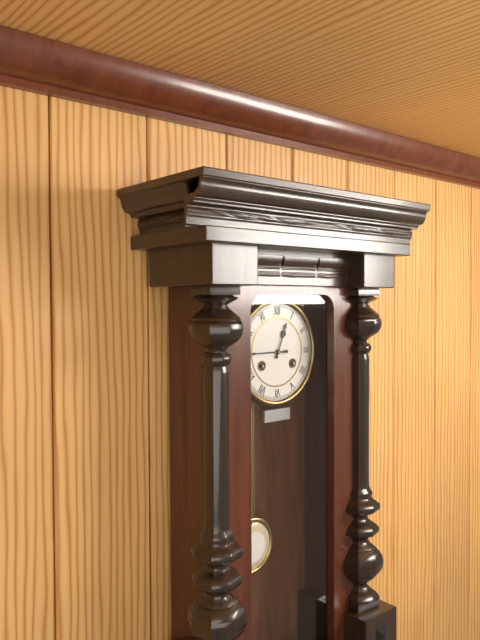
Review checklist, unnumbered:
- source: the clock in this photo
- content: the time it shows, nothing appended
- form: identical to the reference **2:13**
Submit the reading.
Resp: **12:45**
